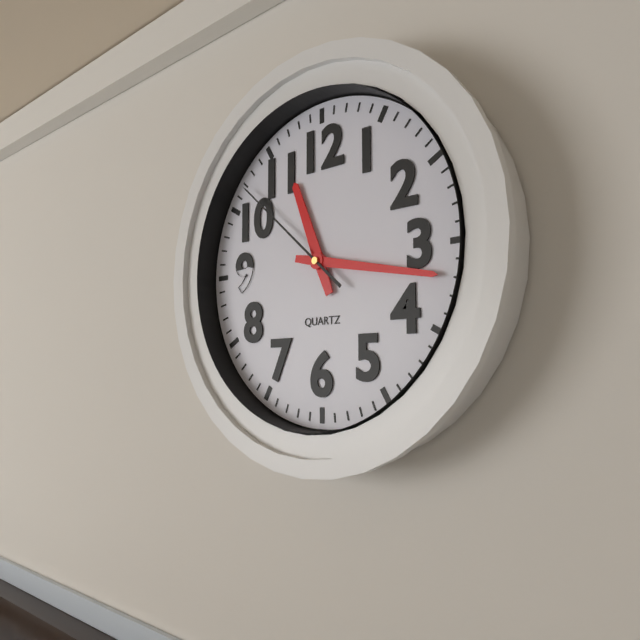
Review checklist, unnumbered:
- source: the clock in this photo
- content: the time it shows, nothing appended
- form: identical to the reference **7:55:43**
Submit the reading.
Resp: **11:17:52**
